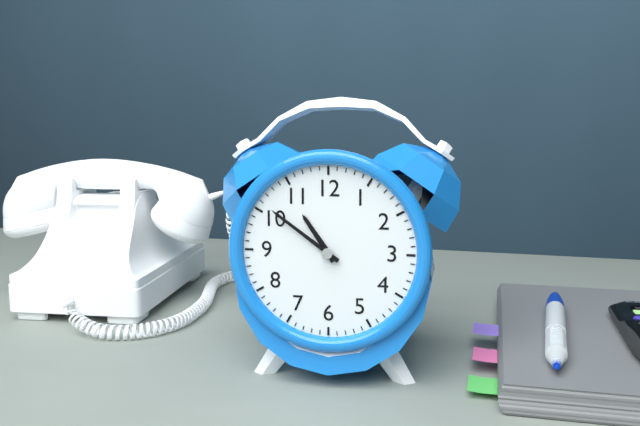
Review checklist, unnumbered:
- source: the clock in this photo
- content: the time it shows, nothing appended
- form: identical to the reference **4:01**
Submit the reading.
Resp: **10:51**
